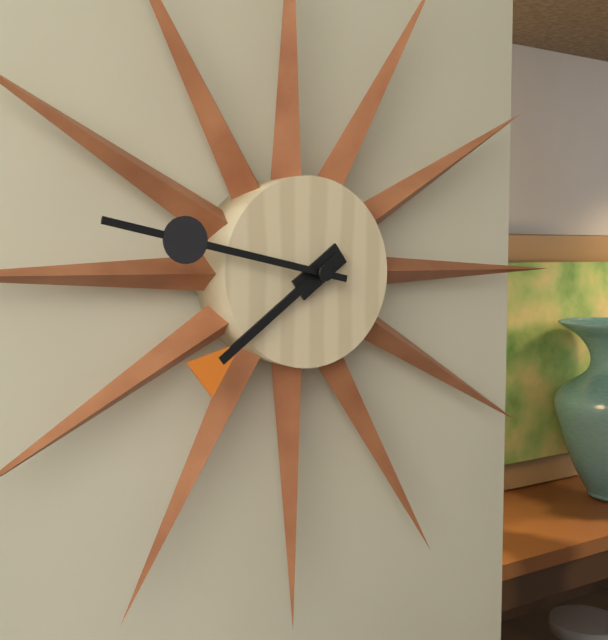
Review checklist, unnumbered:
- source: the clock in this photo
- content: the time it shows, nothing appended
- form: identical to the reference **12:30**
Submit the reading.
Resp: **7:47**
